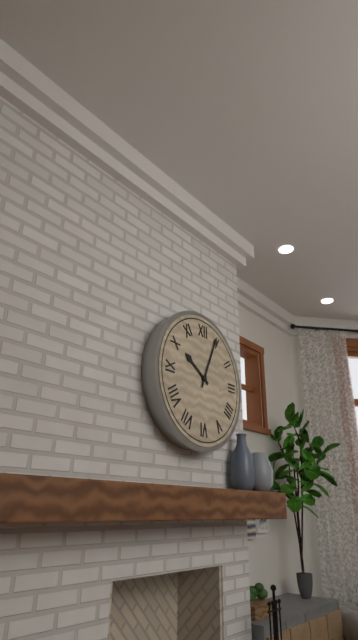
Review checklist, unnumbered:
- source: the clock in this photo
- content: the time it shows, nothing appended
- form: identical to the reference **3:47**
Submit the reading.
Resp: **10:04**
